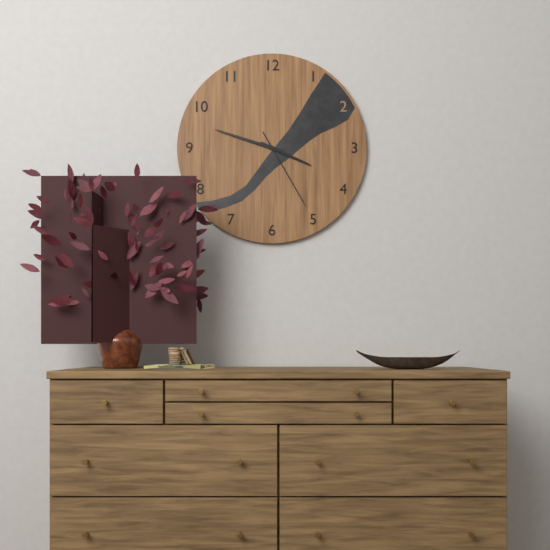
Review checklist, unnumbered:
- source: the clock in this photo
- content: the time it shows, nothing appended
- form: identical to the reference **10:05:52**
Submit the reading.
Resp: **3:48:25**
